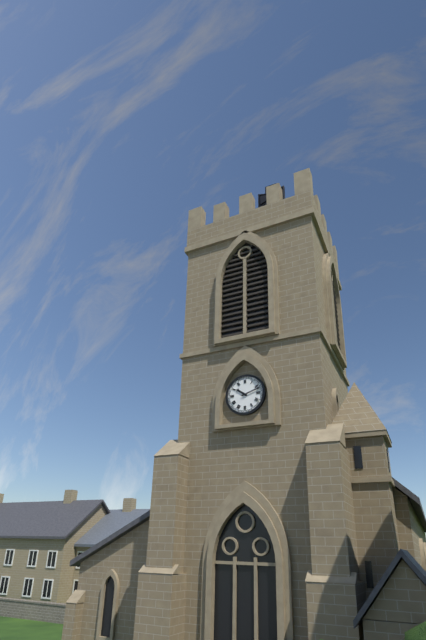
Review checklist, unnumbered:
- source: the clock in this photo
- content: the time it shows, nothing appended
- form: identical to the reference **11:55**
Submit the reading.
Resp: **10:12**
